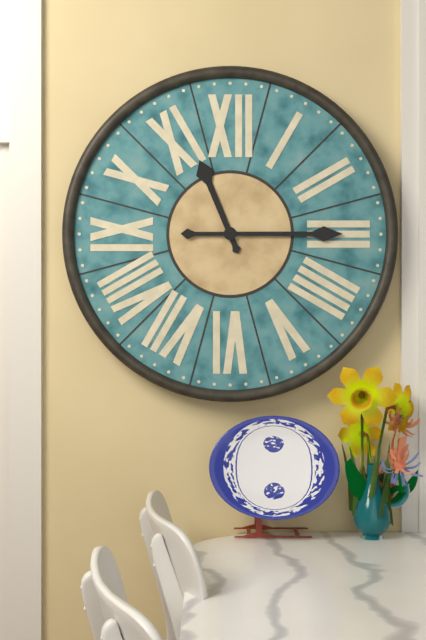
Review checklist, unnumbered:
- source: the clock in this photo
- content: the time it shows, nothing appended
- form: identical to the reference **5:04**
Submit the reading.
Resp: **11:15**
